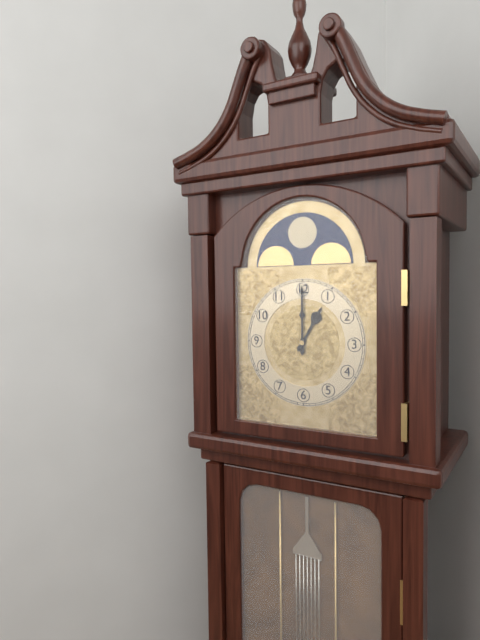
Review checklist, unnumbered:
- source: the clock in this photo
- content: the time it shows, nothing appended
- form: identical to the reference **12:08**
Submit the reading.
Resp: **1:00**
